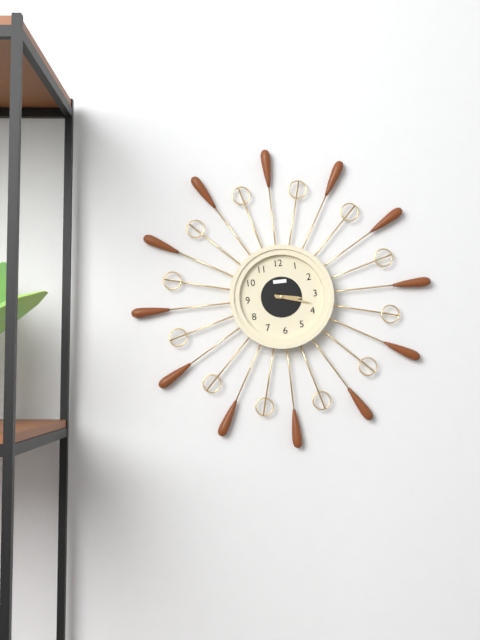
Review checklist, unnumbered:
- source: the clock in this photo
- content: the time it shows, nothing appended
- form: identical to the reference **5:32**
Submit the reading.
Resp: **3:18**
